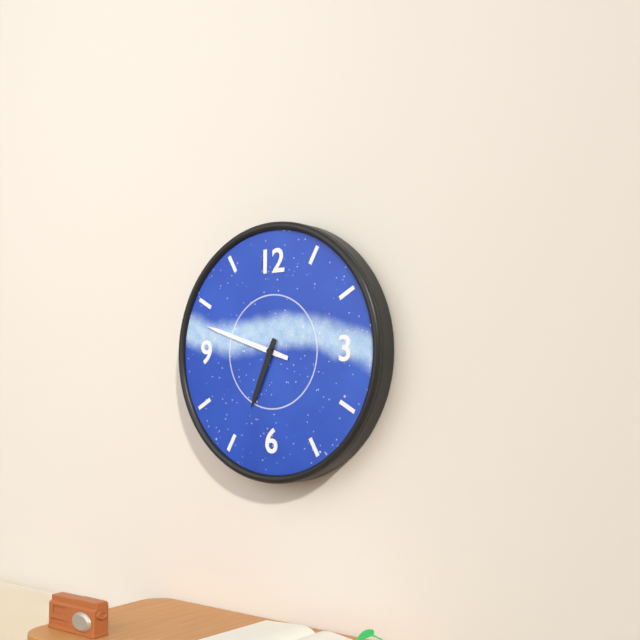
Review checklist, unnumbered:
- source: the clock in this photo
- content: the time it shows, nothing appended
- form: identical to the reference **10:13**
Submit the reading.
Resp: **6:48**
